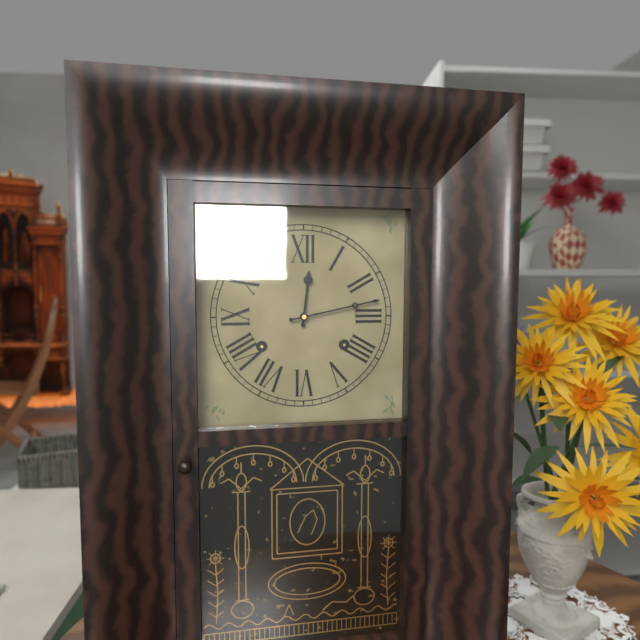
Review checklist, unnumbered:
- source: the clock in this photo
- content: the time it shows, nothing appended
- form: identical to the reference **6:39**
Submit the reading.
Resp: **12:13**
